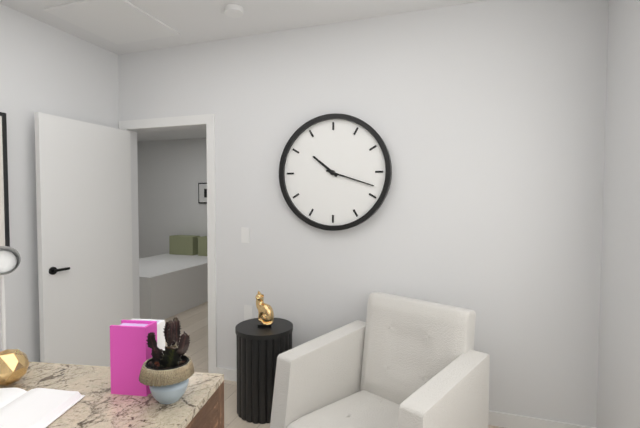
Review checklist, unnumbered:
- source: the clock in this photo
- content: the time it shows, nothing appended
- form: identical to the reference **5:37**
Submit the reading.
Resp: **10:18**
